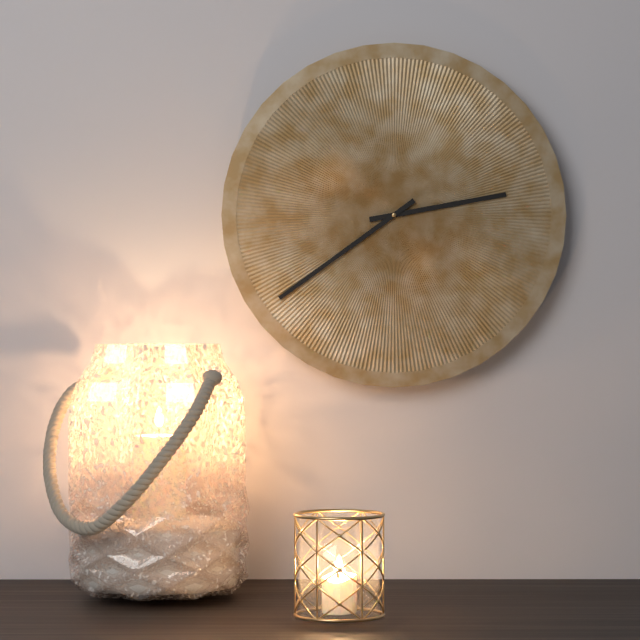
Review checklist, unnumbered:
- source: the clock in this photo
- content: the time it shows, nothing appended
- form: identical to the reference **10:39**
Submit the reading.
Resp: **2:39**
